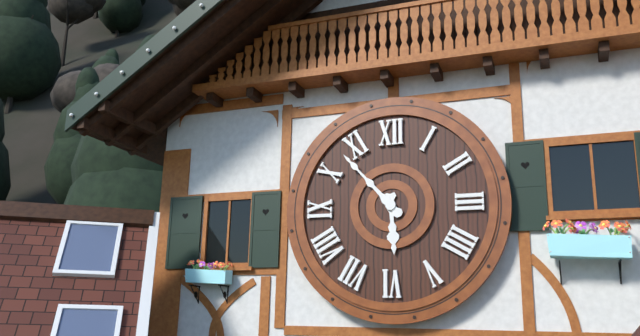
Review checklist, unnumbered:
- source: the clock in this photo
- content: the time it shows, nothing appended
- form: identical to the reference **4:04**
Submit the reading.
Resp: **5:53**
